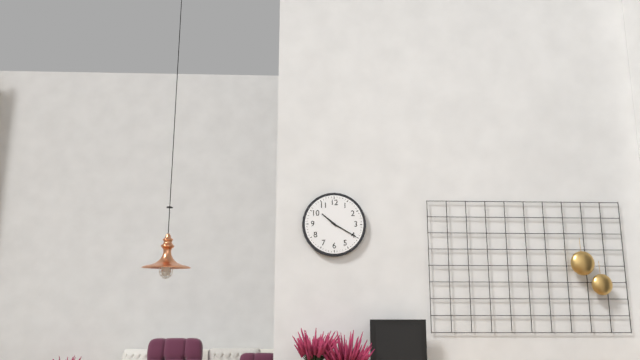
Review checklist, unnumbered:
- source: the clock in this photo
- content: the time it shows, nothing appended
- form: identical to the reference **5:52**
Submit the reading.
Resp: **10:20**
